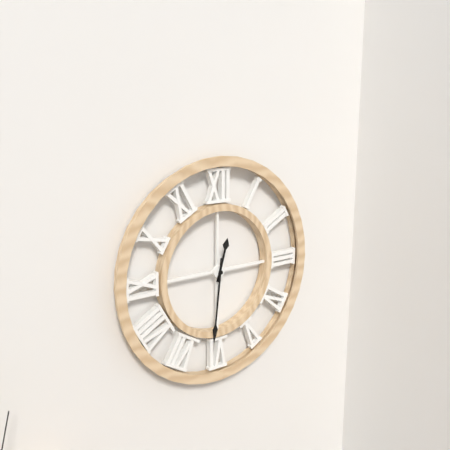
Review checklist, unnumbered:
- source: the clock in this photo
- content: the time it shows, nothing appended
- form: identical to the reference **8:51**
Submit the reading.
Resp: **12:31**
